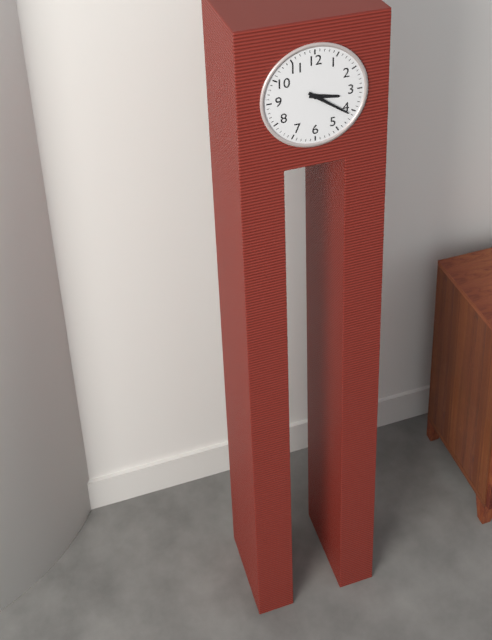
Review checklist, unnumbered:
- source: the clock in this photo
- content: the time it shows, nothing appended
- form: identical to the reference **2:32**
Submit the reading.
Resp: **3:21**
